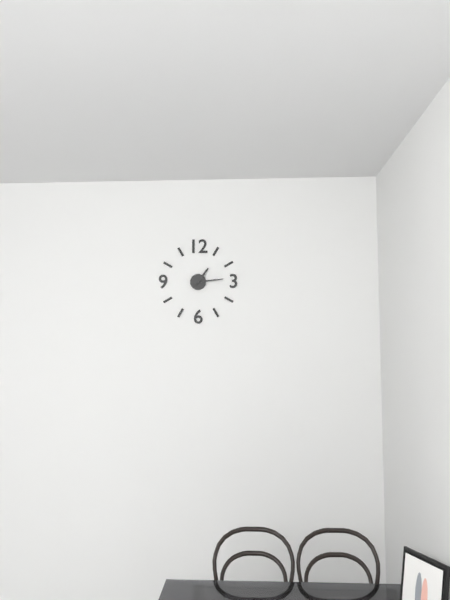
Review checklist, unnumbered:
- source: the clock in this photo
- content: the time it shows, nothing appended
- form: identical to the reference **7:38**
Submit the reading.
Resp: **1:14**
